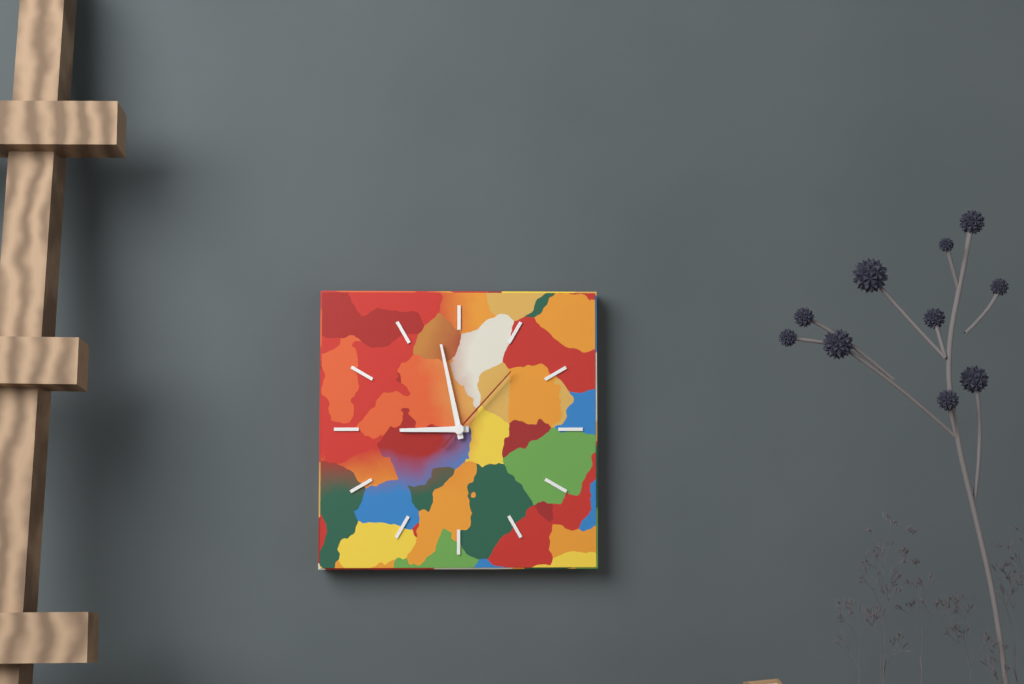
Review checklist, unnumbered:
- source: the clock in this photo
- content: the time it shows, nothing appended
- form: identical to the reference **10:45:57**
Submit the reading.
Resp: **8:58:07**
